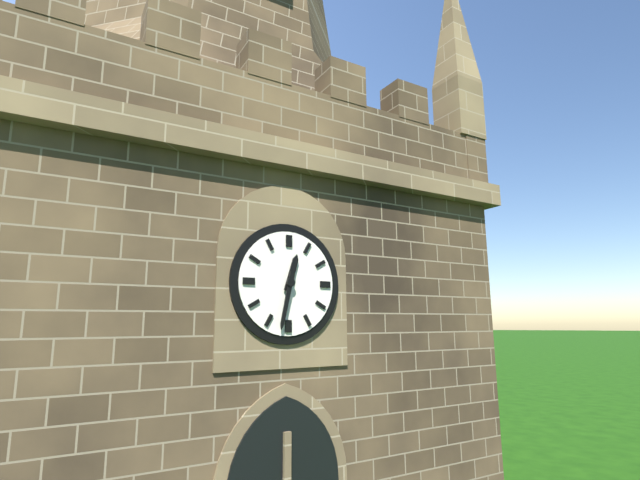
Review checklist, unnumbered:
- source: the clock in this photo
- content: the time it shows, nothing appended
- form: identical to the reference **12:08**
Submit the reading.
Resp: **12:32**
